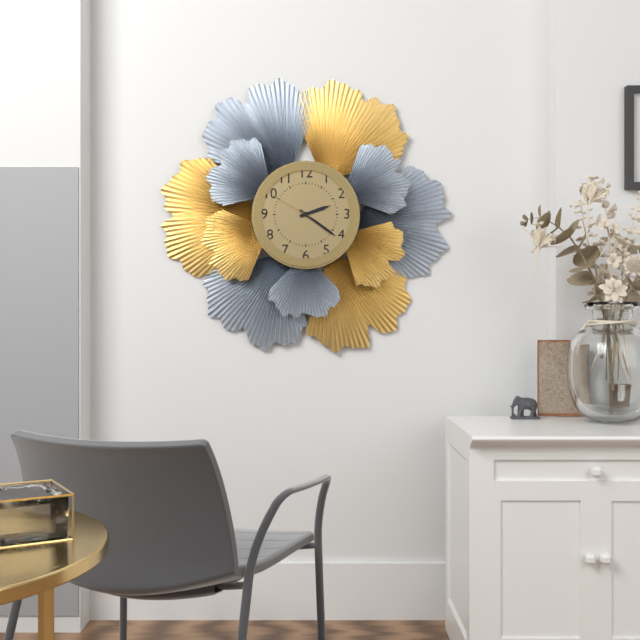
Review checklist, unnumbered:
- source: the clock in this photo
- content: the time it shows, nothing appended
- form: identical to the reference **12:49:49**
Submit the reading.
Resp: **2:21:50**
